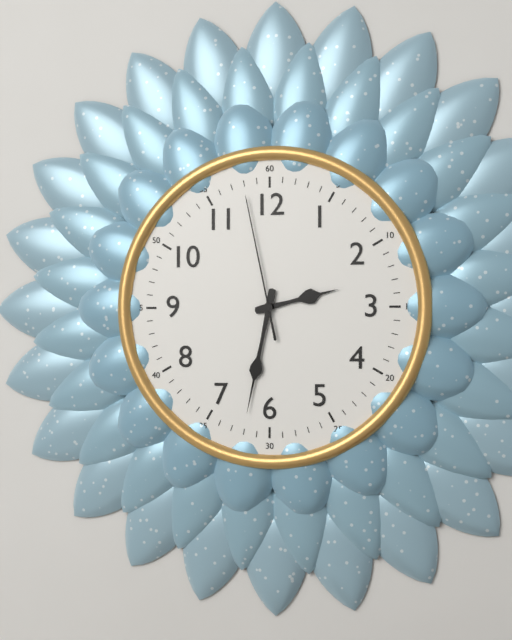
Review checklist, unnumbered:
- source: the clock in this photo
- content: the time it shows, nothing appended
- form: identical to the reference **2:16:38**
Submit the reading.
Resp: **2:32:58**
